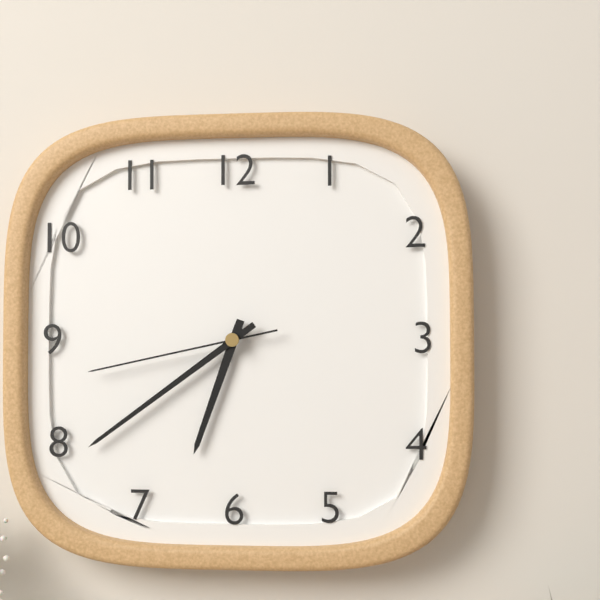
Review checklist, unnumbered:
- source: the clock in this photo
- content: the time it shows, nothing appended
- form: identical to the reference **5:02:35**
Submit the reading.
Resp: **6:39:43**
